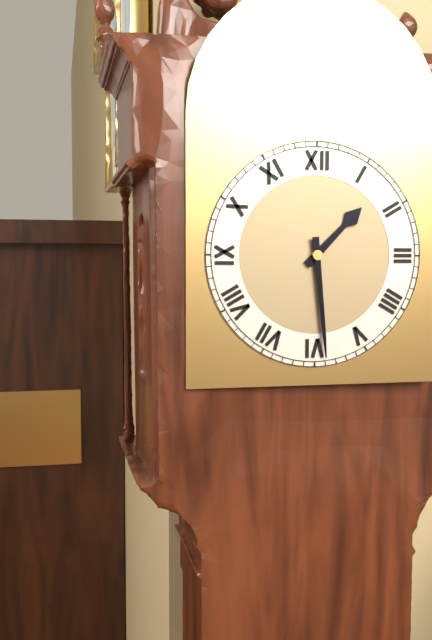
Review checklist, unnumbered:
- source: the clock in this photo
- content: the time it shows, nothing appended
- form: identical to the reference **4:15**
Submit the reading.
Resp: **1:29**
